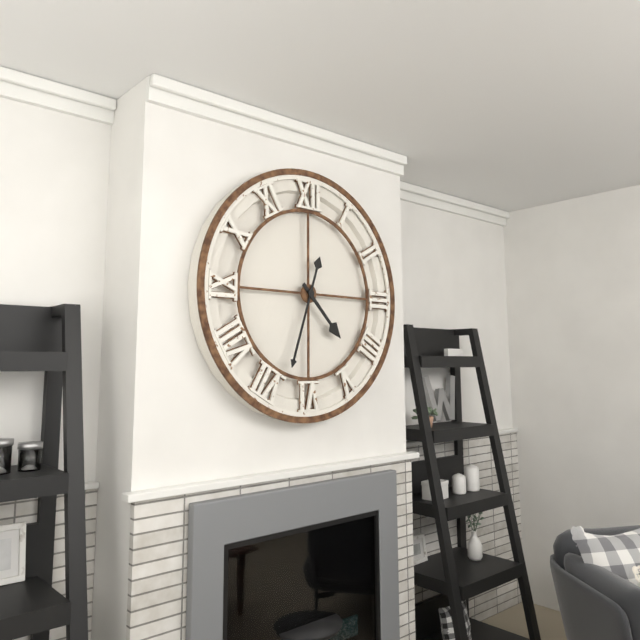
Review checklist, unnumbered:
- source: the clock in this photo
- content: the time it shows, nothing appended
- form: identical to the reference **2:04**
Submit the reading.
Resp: **4:33**
